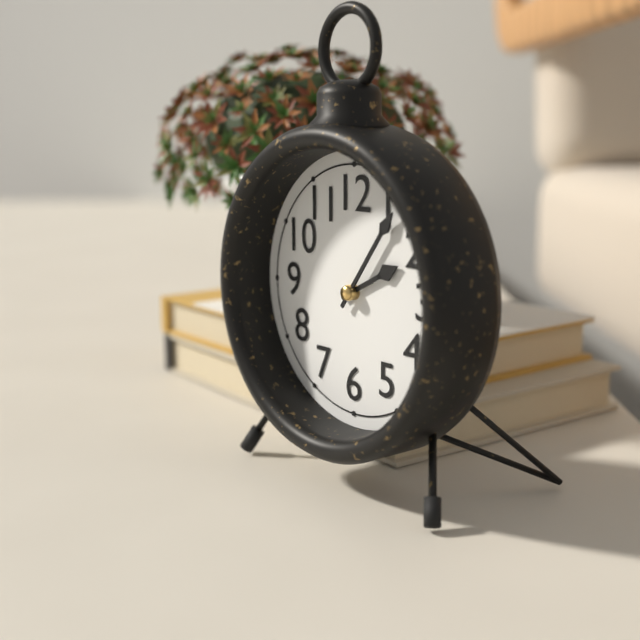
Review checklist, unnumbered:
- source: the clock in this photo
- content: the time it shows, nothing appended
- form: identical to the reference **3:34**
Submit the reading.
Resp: **2:06**
